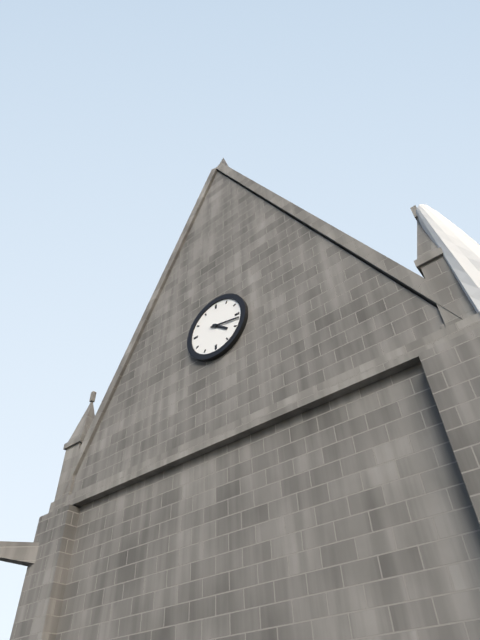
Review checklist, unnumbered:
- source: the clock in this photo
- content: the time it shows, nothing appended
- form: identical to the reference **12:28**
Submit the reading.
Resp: **4:17**
